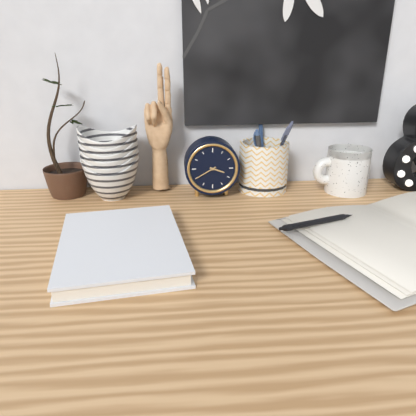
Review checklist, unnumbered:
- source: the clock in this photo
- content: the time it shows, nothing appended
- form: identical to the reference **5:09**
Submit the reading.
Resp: **3:40**
